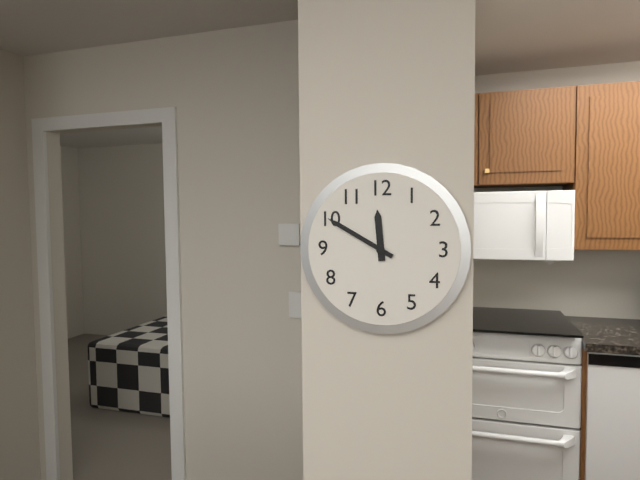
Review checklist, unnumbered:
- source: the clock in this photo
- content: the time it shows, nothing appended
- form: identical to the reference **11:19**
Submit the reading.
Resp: **11:50**
